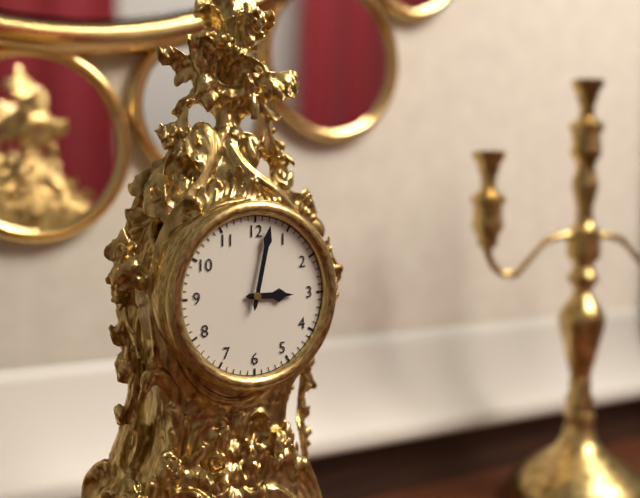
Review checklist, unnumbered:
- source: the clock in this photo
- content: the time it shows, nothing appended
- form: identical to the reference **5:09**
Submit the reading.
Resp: **3:02**
